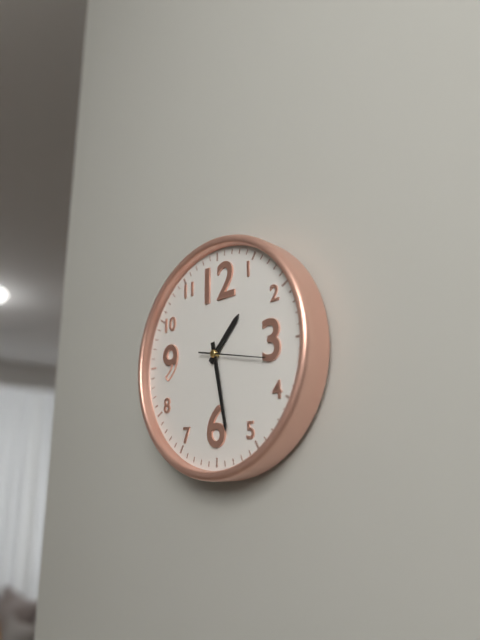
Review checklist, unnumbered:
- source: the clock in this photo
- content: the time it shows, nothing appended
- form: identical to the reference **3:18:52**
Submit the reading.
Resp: **1:28:17**
